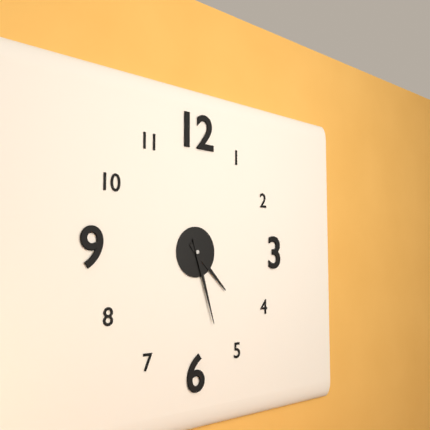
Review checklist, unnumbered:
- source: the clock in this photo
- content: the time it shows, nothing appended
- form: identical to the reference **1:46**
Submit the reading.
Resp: **4:27**
